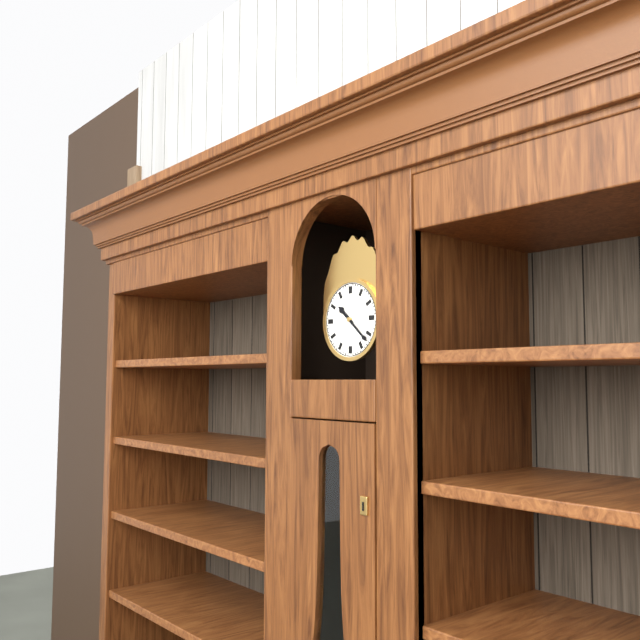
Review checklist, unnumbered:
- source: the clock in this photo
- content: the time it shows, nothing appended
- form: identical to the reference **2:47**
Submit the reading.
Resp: **10:22**
